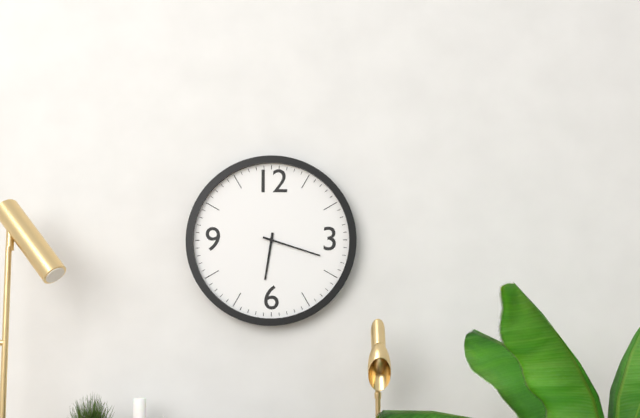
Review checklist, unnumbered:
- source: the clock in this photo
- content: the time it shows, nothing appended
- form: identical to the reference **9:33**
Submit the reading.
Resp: **6:18**
